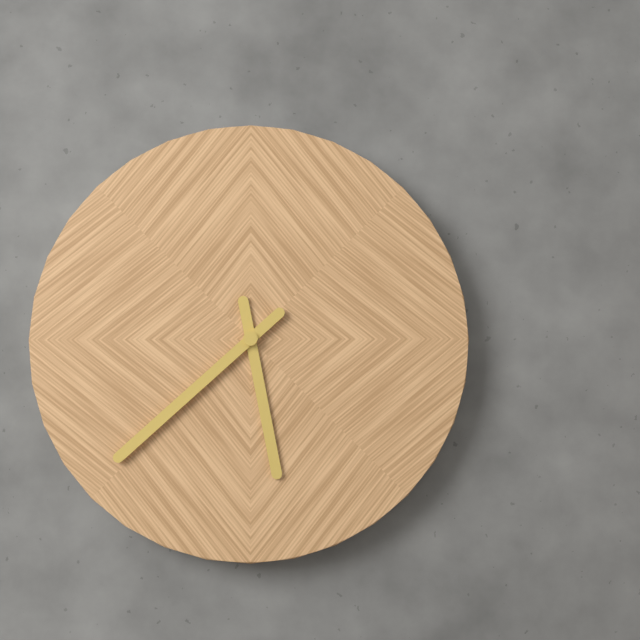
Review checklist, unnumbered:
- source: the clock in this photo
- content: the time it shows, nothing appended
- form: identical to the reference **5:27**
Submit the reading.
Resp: **5:38**
